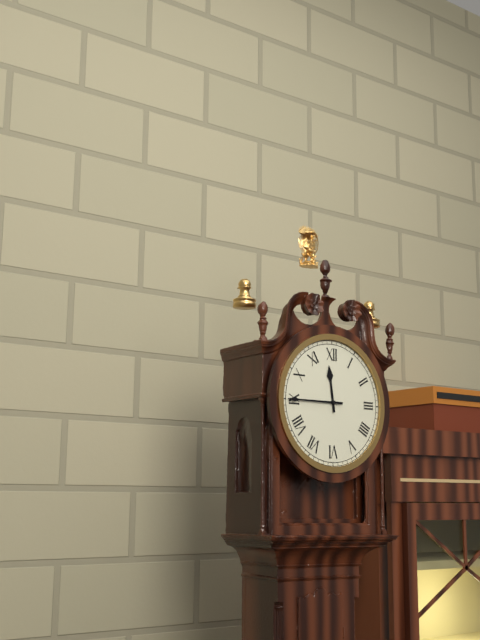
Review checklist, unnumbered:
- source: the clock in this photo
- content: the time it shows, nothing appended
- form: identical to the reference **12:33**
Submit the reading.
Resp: **11:45**
